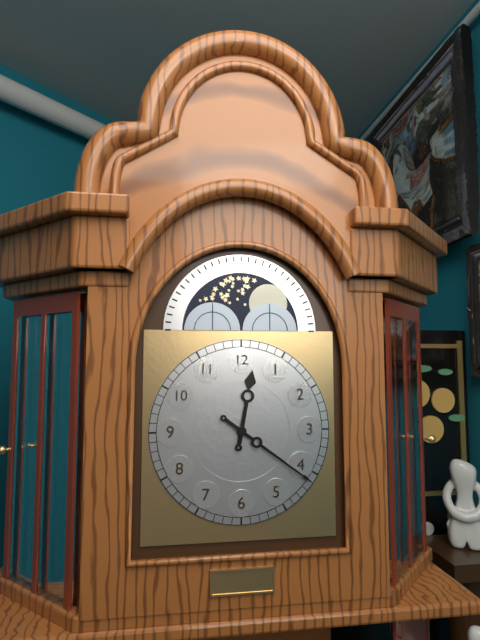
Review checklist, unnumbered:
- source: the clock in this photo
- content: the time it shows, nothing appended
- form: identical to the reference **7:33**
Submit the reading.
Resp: **12:21**
